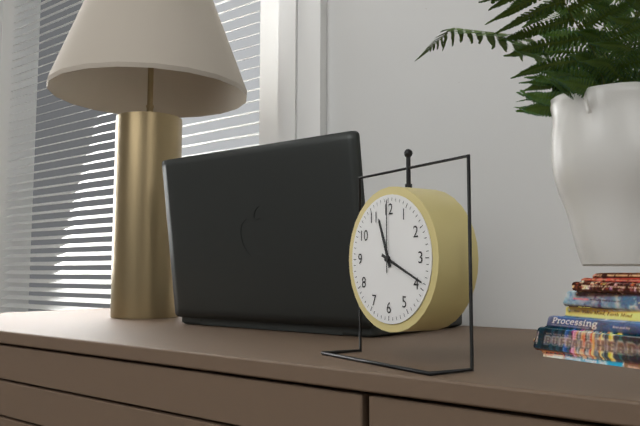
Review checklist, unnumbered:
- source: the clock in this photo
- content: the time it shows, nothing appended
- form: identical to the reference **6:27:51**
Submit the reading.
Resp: **11:19:00**
